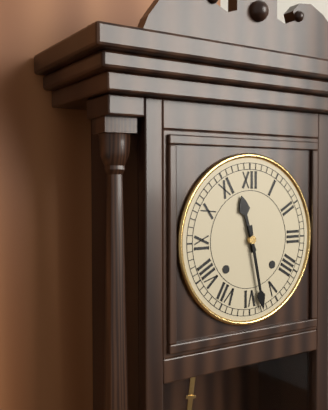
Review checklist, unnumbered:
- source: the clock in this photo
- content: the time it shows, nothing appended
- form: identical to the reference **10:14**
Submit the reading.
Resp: **11:28**
